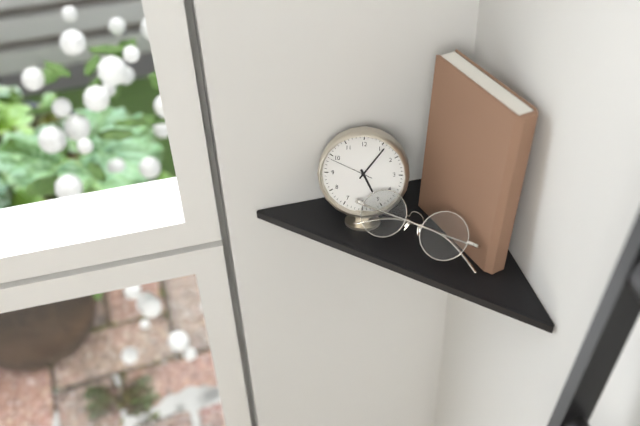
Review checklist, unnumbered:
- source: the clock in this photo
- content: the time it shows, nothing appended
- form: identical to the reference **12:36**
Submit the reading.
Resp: **5:06**
